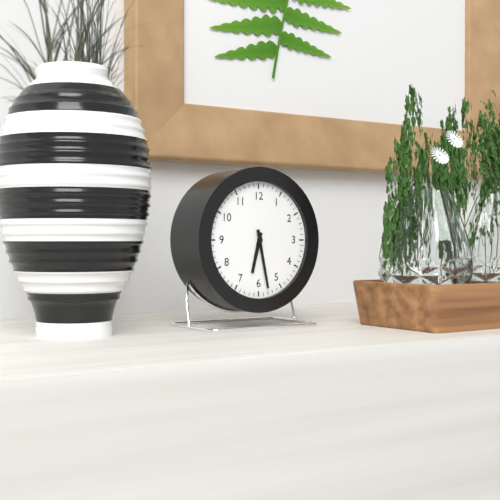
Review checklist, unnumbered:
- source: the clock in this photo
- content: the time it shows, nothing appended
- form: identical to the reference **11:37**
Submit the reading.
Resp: **6:28**
